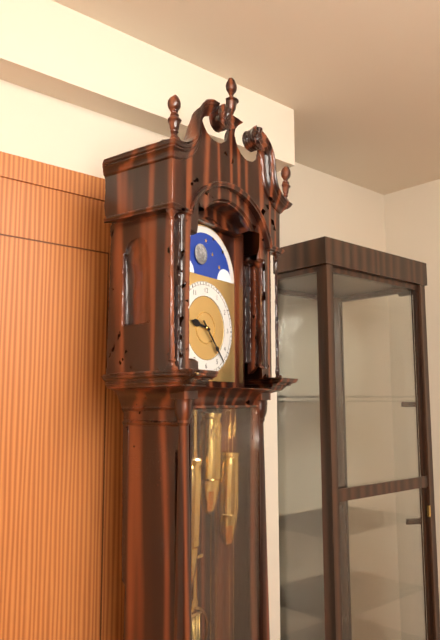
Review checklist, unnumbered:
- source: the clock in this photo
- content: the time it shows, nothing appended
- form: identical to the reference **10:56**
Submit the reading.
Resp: **9:23**
